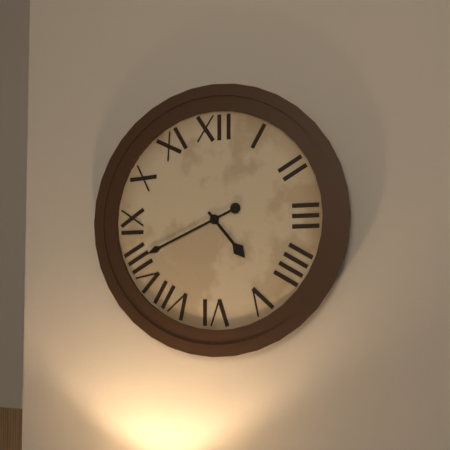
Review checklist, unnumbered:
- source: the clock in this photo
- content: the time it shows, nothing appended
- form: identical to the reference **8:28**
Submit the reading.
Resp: **4:41**
